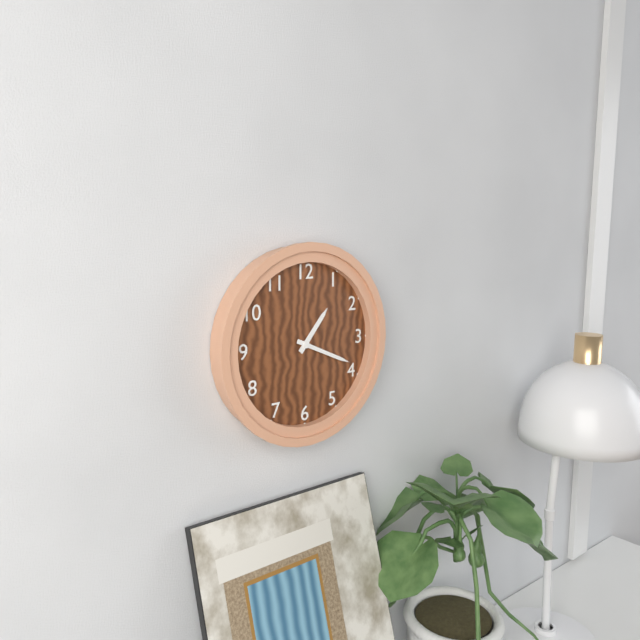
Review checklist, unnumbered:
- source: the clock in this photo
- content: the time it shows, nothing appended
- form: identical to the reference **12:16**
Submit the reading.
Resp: **1:19**
